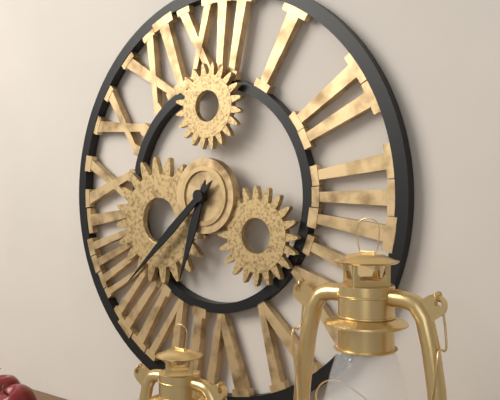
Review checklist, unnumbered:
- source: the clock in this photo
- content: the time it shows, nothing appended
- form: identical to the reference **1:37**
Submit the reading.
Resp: **6:38**
